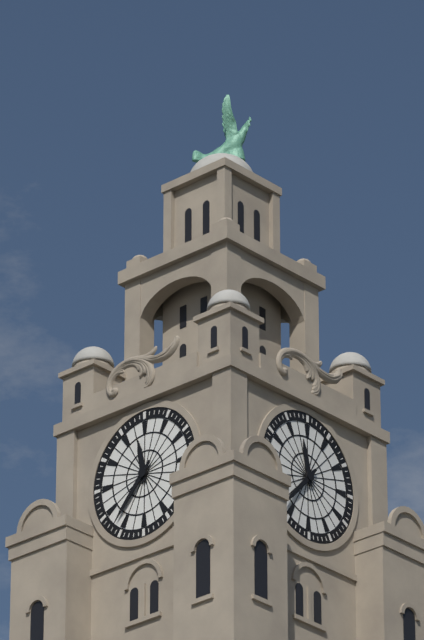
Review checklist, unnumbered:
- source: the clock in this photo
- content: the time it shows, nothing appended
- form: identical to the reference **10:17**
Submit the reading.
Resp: **11:37**
